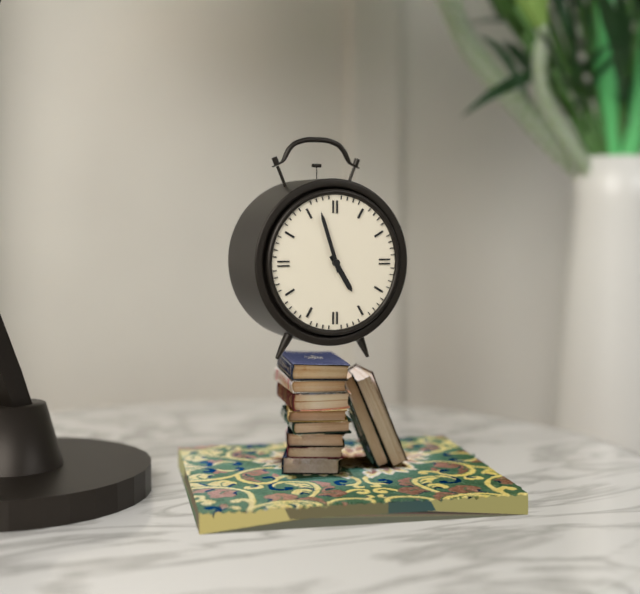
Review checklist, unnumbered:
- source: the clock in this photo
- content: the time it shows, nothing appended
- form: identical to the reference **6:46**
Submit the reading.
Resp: **4:57**
